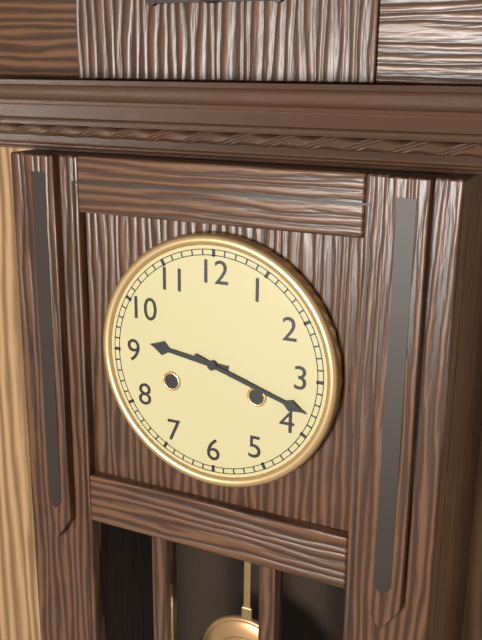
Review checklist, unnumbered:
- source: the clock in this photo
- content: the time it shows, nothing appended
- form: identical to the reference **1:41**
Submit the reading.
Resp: **9:18**
